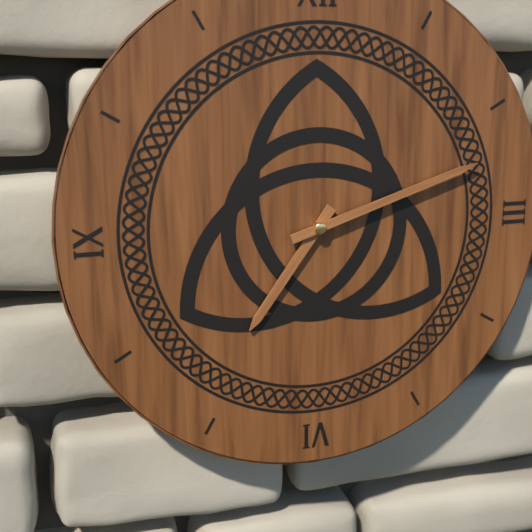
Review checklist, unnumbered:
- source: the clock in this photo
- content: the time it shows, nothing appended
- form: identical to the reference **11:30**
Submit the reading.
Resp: **7:12**
